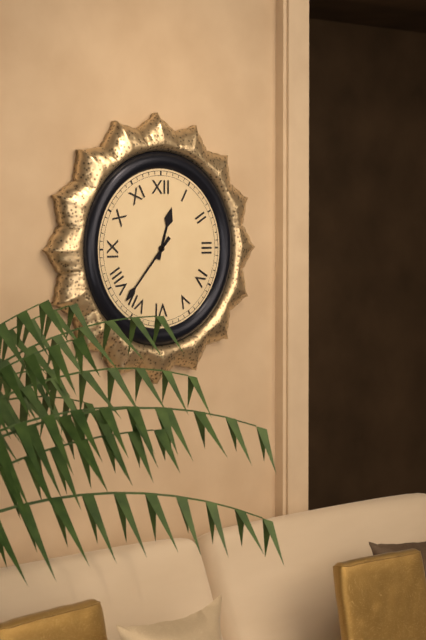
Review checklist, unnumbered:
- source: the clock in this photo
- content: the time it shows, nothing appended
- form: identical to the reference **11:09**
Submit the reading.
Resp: **12:37**
